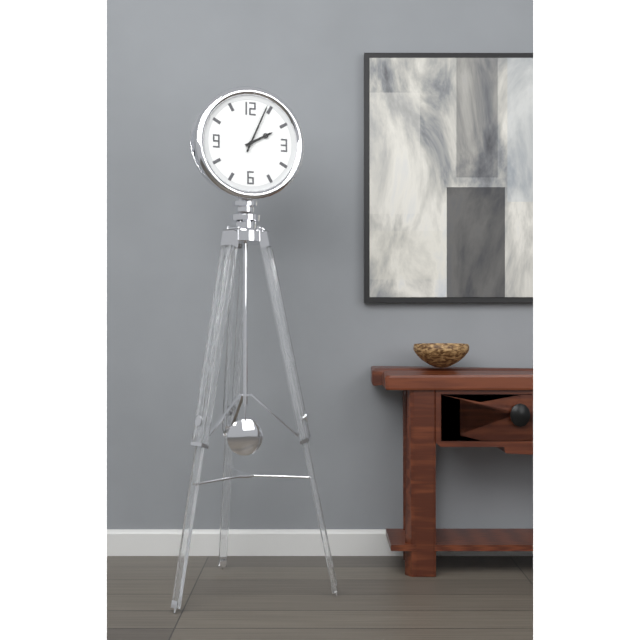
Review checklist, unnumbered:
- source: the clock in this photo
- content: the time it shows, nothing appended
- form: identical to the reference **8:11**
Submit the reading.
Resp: **2:04**
